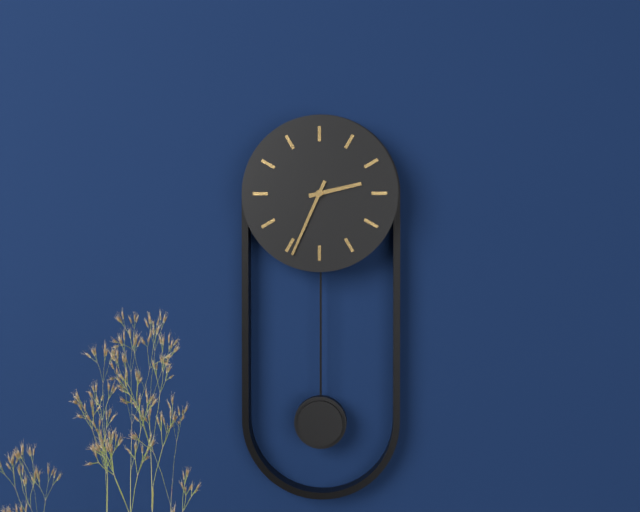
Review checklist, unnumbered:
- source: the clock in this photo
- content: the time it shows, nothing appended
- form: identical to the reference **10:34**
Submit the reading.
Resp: **2:34**
